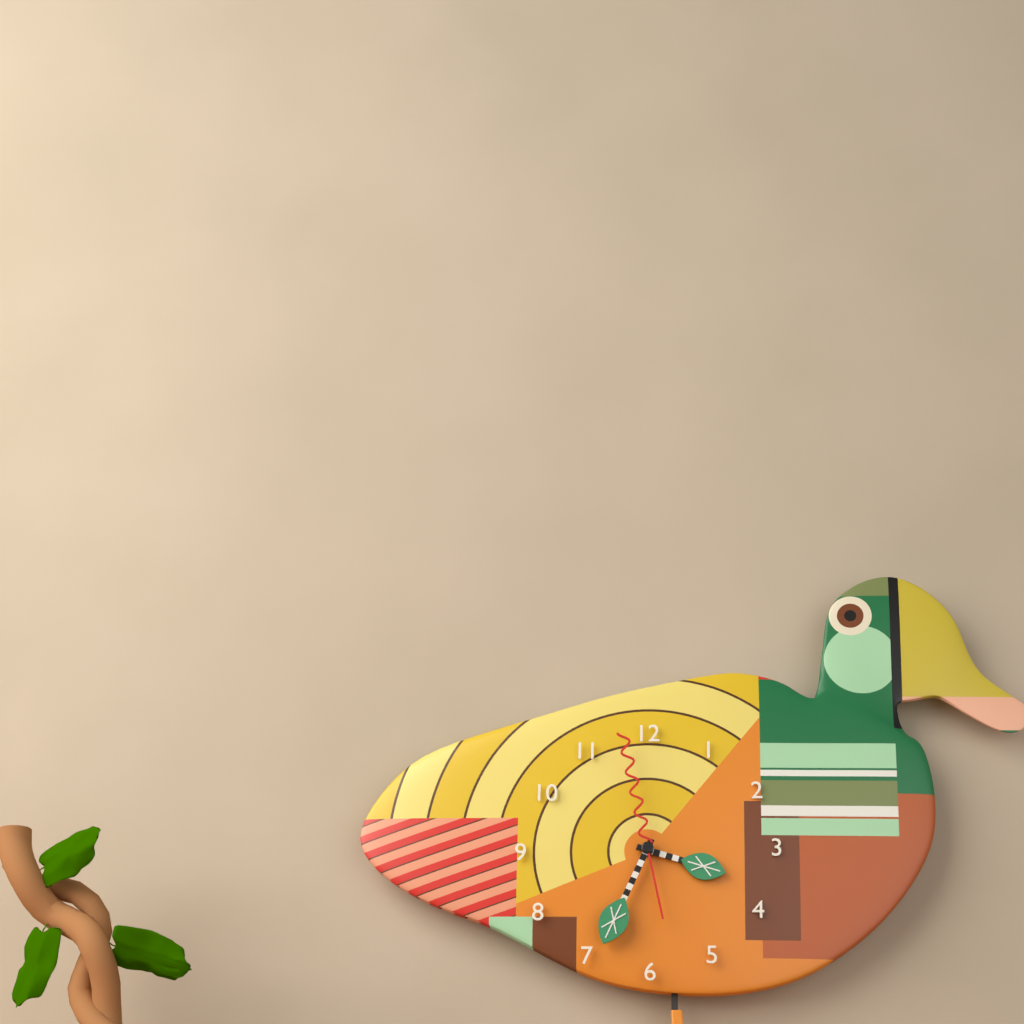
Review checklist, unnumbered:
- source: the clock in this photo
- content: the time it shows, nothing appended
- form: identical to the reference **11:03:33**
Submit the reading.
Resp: **3:34:58**
